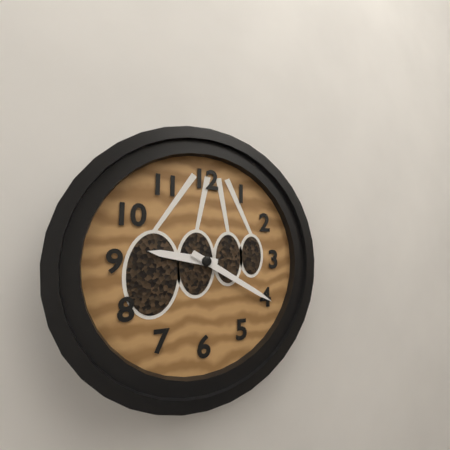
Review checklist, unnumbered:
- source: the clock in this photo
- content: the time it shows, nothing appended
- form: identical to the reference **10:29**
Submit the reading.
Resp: **9:20**
